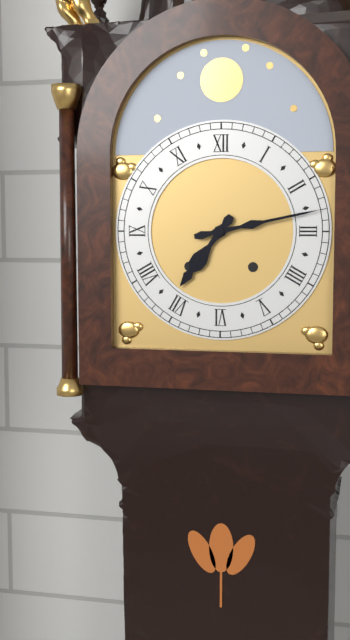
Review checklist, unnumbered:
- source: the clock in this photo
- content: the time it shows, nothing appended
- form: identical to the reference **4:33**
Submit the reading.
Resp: **7:13**
